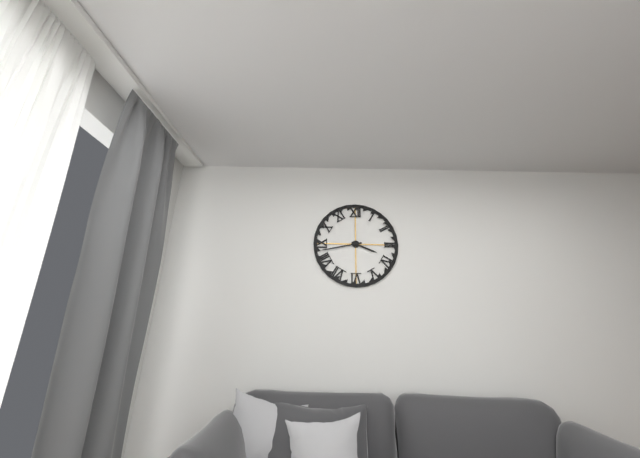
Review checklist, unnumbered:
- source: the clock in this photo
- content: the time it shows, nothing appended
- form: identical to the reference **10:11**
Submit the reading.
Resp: **3:43**
